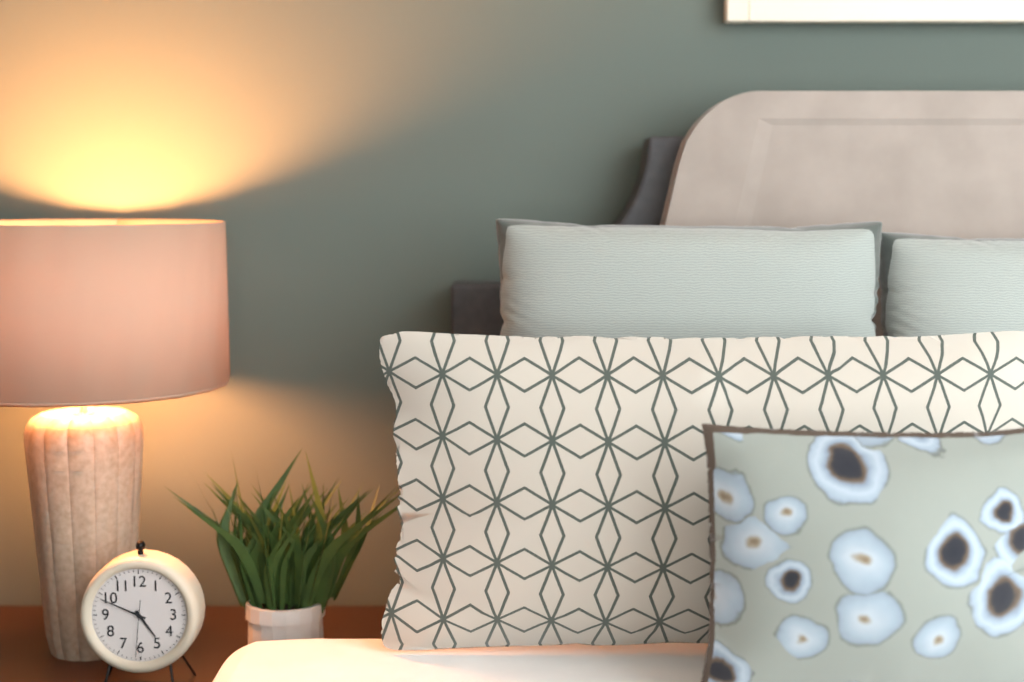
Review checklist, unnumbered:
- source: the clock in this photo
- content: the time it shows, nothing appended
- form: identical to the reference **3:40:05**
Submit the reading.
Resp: **4:49:31**
